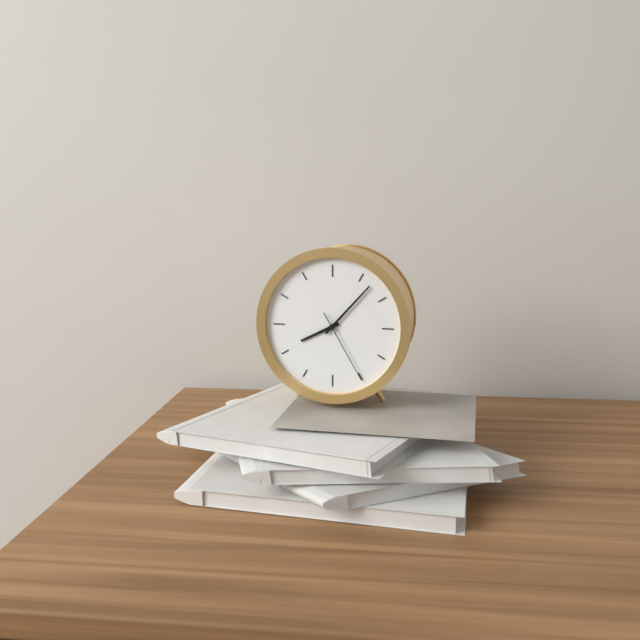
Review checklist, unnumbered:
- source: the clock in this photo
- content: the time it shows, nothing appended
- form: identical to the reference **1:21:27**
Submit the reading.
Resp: **8:07:25**
